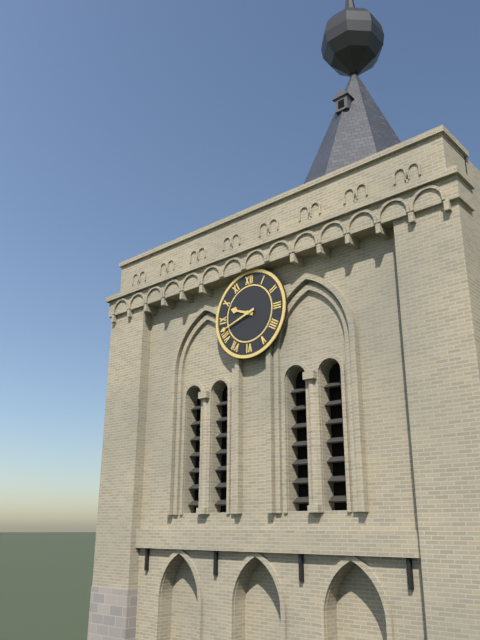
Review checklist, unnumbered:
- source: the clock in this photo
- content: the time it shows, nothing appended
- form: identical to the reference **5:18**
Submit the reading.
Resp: **9:42**
